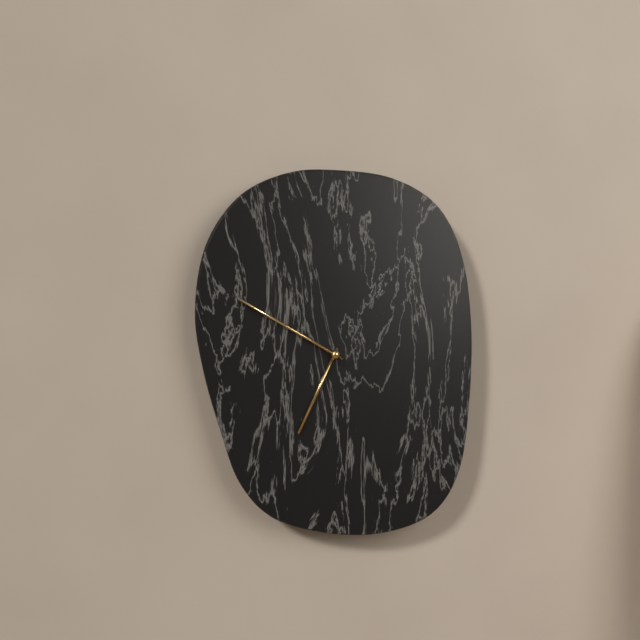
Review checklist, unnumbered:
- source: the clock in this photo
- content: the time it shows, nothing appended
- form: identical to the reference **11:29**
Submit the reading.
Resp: **6:50**
